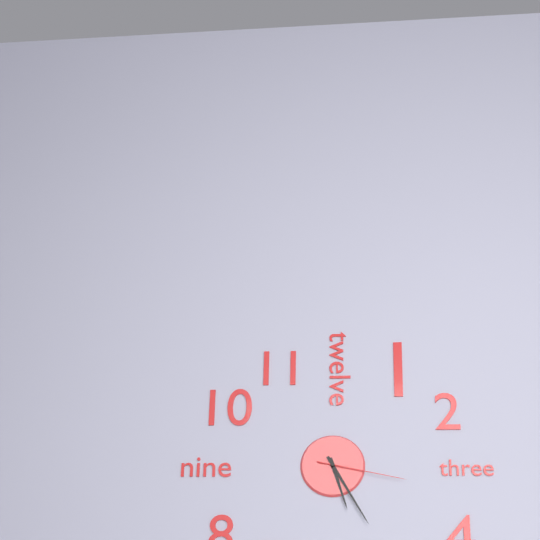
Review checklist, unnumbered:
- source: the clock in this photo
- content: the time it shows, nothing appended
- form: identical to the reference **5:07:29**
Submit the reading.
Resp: **5:25:17**
